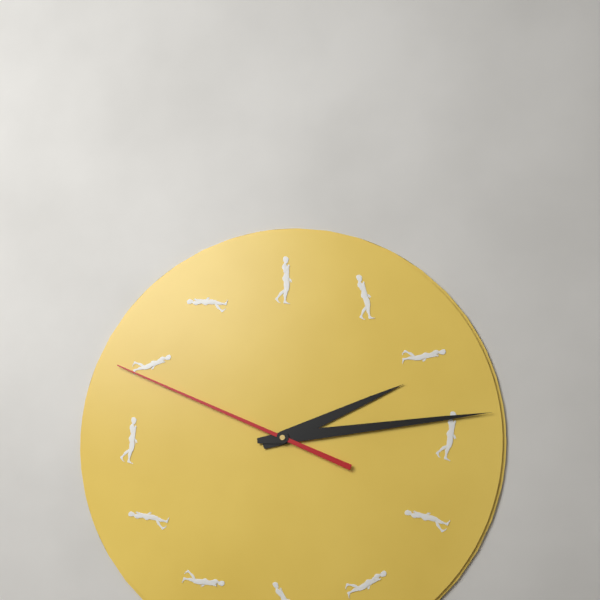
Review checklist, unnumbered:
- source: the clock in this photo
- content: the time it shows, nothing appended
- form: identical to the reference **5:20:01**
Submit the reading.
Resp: **2:14:49**
